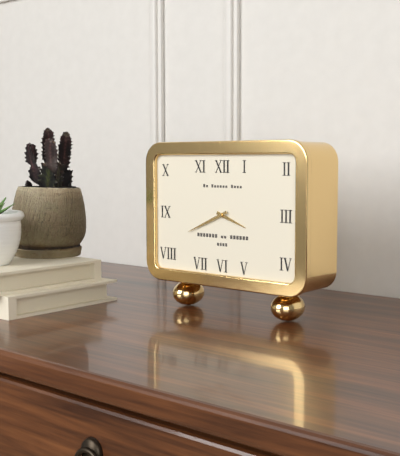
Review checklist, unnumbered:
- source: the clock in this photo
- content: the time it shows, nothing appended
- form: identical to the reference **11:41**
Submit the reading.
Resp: **3:41**
